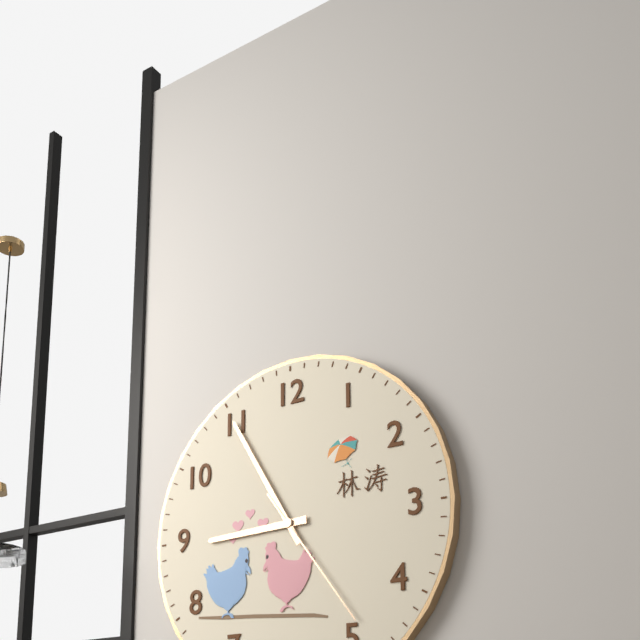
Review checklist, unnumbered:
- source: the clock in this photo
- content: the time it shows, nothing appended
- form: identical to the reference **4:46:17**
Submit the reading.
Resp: **8:55:24**
